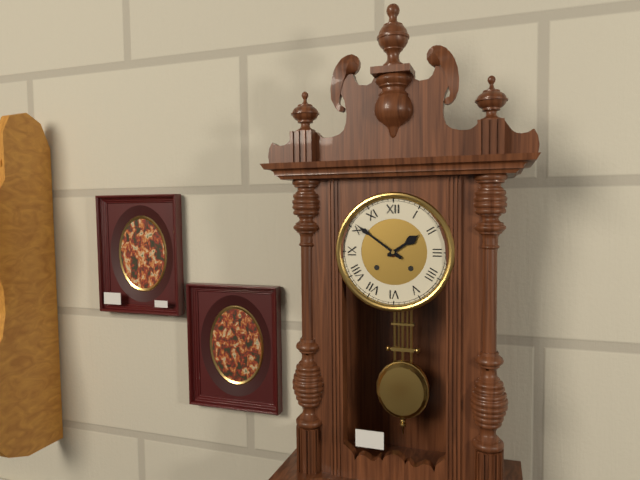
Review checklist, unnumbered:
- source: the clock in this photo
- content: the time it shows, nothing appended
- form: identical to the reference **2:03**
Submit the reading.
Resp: **1:51**
